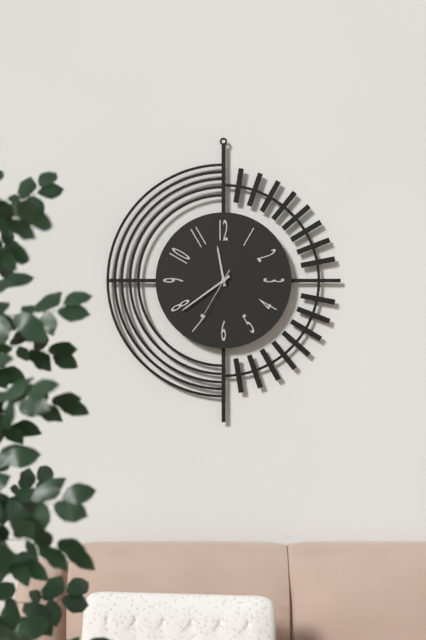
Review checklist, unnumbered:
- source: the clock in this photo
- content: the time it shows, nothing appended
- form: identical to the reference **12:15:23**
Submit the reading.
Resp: **11:39:35**
